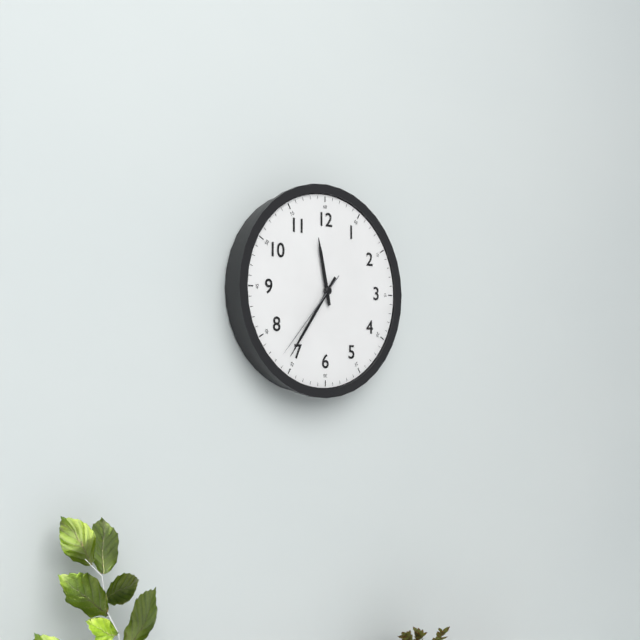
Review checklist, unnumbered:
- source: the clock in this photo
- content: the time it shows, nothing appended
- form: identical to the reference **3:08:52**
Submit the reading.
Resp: **11:36:37**
